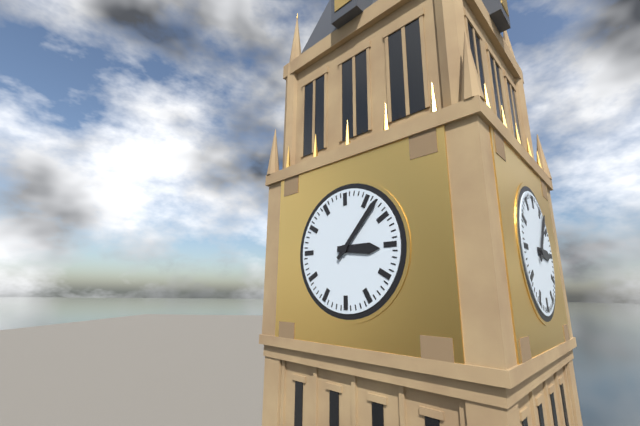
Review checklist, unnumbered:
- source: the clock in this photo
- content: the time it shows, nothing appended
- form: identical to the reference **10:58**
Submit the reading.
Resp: **3:07**
